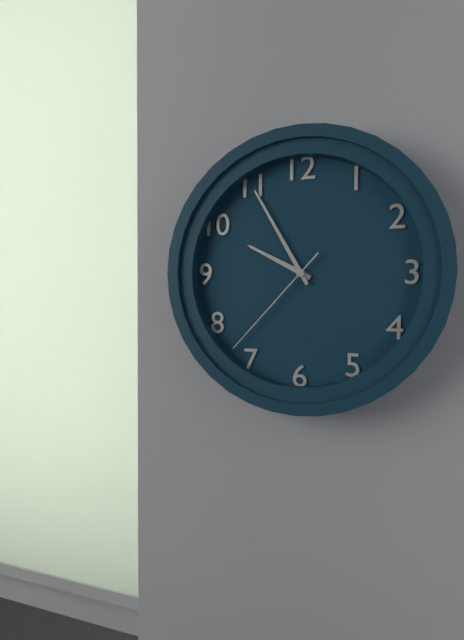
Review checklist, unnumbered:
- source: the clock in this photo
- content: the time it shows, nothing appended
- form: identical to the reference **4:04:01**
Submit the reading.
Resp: **9:55:37**
